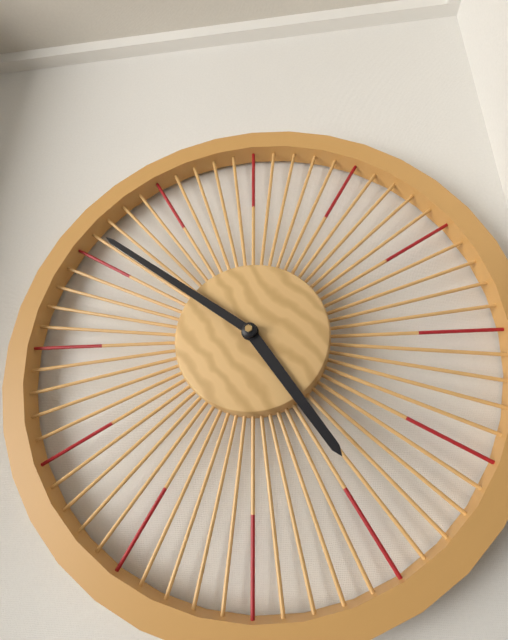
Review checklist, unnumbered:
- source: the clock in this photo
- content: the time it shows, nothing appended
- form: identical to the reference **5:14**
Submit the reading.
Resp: **4:51**
